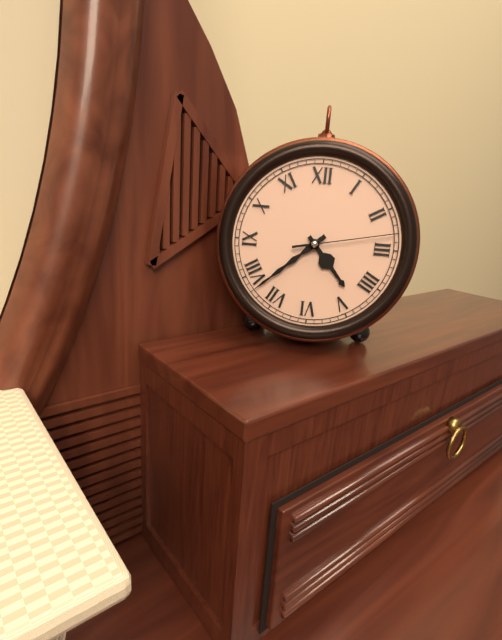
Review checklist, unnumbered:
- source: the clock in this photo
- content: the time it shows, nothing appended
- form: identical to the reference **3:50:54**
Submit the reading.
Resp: **4:38:13**
